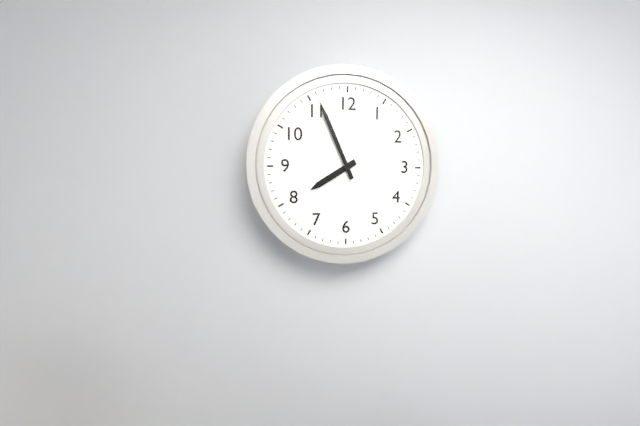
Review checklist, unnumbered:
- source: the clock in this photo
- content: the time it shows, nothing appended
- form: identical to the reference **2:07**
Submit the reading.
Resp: **7:56**
